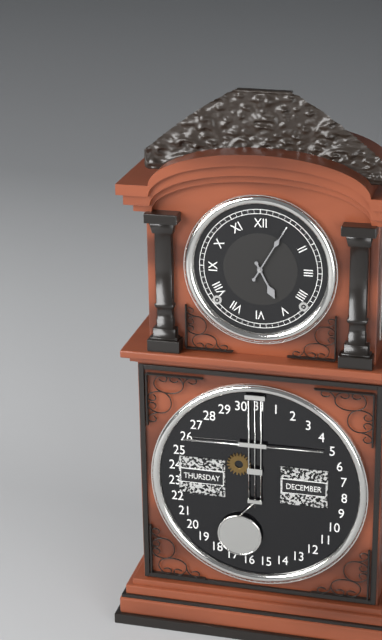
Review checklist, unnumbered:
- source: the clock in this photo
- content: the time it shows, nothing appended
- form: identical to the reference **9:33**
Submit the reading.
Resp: **5:05**
